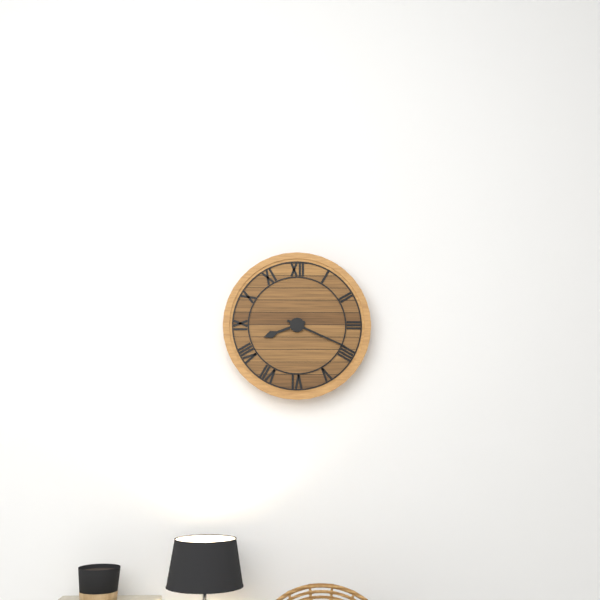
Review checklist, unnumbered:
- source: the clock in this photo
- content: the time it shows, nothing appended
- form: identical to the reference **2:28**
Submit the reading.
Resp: **8:19**
